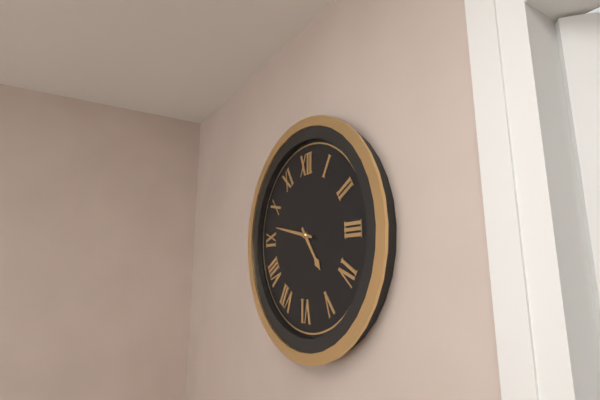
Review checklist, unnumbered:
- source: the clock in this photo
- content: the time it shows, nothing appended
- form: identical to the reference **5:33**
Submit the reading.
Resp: **4:47**
